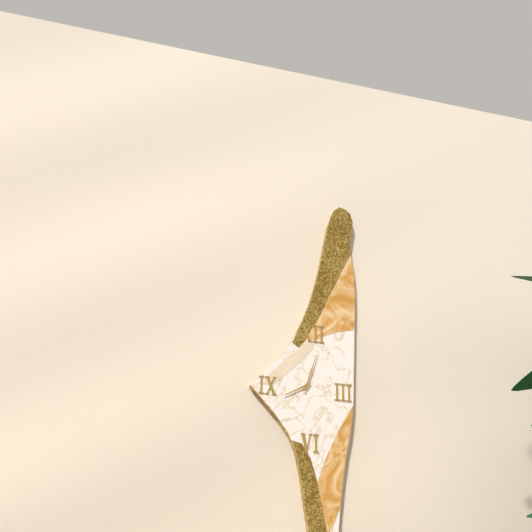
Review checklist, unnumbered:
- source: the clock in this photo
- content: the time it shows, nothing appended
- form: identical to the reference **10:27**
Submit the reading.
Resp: **8:03**
